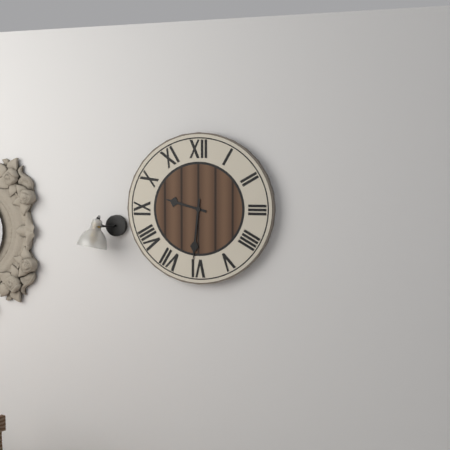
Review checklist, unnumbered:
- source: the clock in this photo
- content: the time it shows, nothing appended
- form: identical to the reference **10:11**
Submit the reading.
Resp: **9:31**
